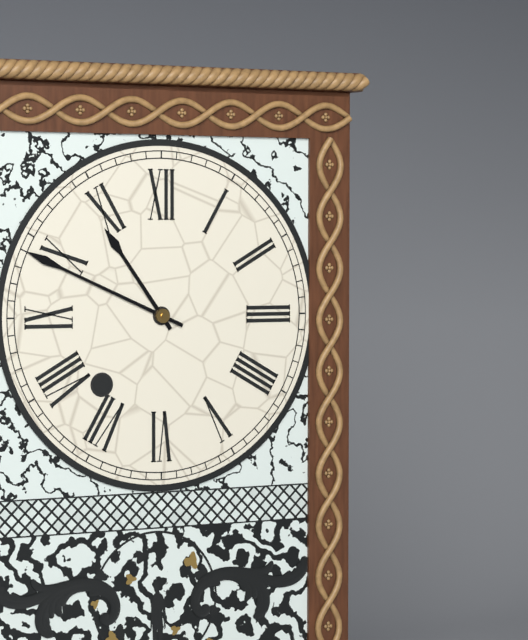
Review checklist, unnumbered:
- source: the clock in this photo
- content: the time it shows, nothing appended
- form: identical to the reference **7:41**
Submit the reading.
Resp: **10:49**
